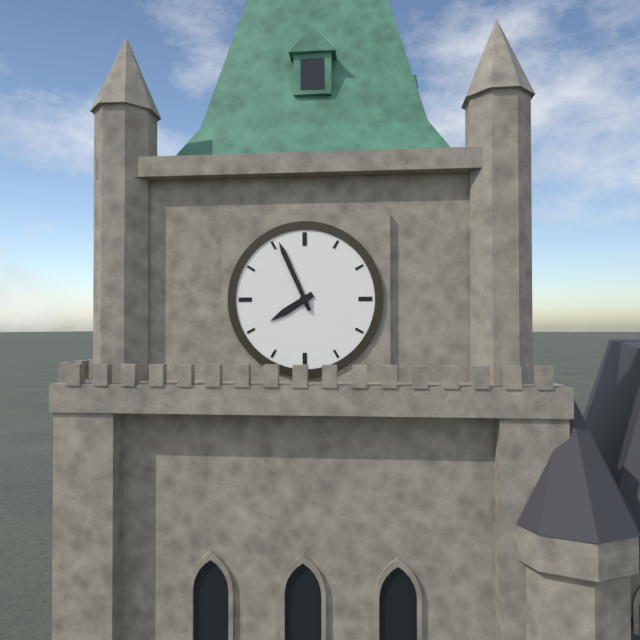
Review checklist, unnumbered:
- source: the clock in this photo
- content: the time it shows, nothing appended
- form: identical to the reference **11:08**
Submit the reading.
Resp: **7:56**
